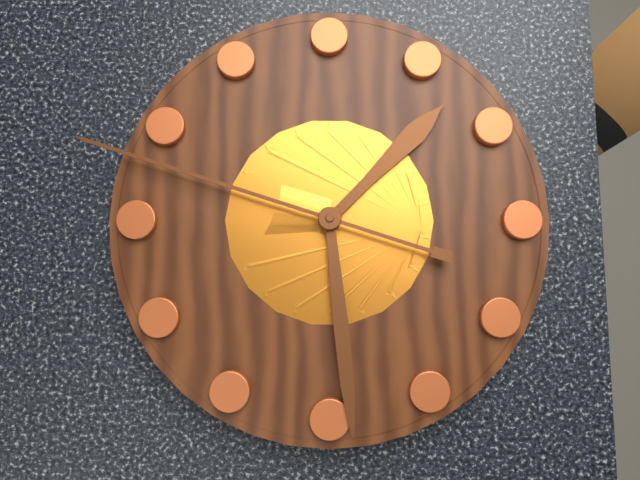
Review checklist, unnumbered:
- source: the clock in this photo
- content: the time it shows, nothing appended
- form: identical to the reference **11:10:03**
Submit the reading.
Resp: **1:29:48**
